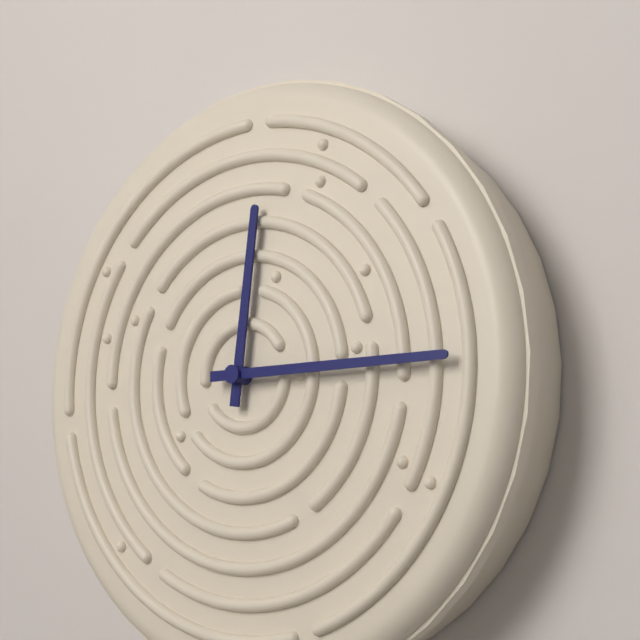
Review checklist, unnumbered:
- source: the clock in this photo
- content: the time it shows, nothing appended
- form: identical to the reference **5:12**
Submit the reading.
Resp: **12:15**
